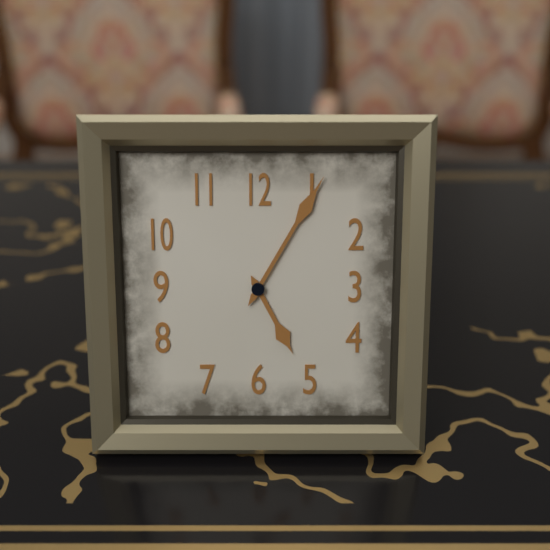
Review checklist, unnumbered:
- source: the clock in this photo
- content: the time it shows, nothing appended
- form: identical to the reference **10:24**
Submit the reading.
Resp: **5:05**
